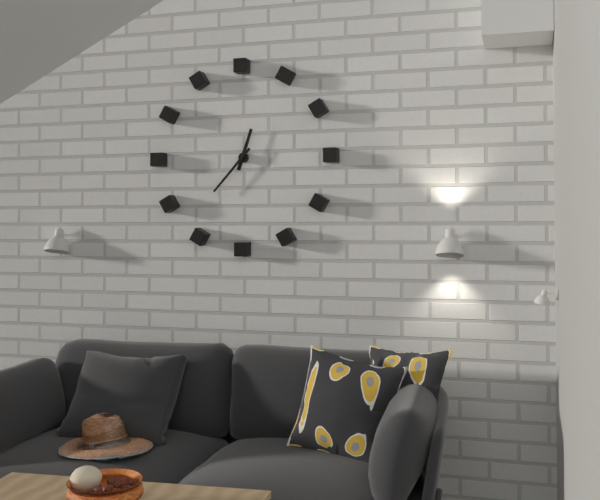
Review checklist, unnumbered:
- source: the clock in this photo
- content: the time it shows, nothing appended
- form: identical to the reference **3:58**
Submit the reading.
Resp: **12:37**
